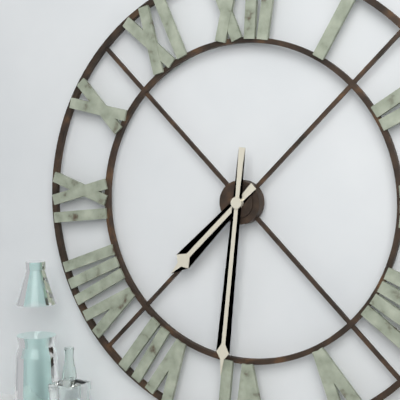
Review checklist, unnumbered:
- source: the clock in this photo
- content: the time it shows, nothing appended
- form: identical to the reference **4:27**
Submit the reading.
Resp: **7:31**
